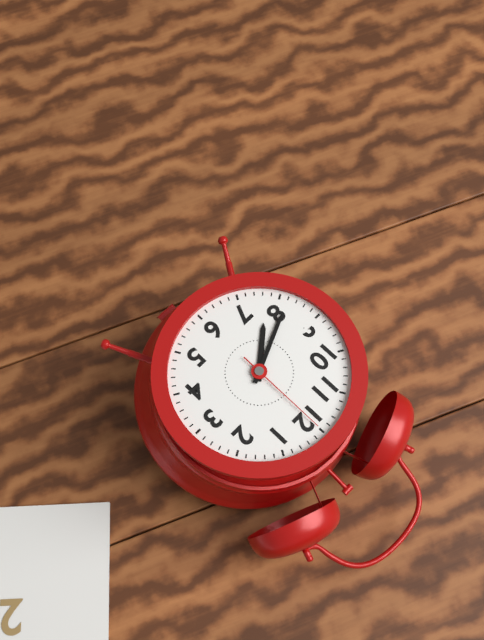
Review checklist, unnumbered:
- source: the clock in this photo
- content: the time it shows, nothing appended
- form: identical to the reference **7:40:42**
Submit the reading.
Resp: **7:41:00**
